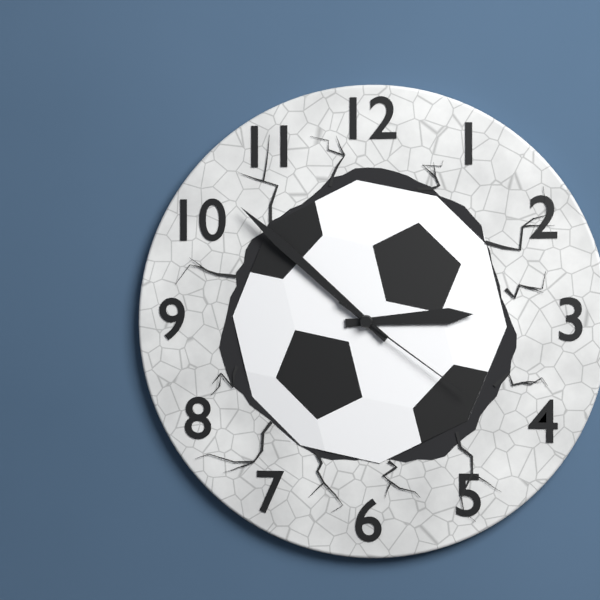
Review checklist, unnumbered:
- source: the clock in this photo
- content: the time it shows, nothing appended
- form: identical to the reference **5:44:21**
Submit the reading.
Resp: **2:52:21**
